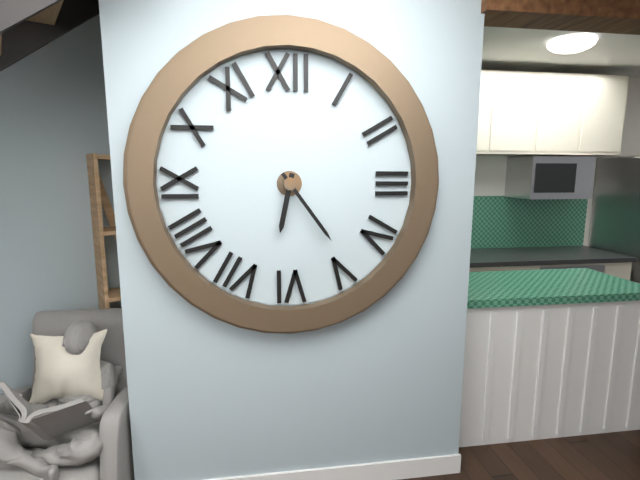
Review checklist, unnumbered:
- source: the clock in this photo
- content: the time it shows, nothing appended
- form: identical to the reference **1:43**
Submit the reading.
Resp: **6:24**
